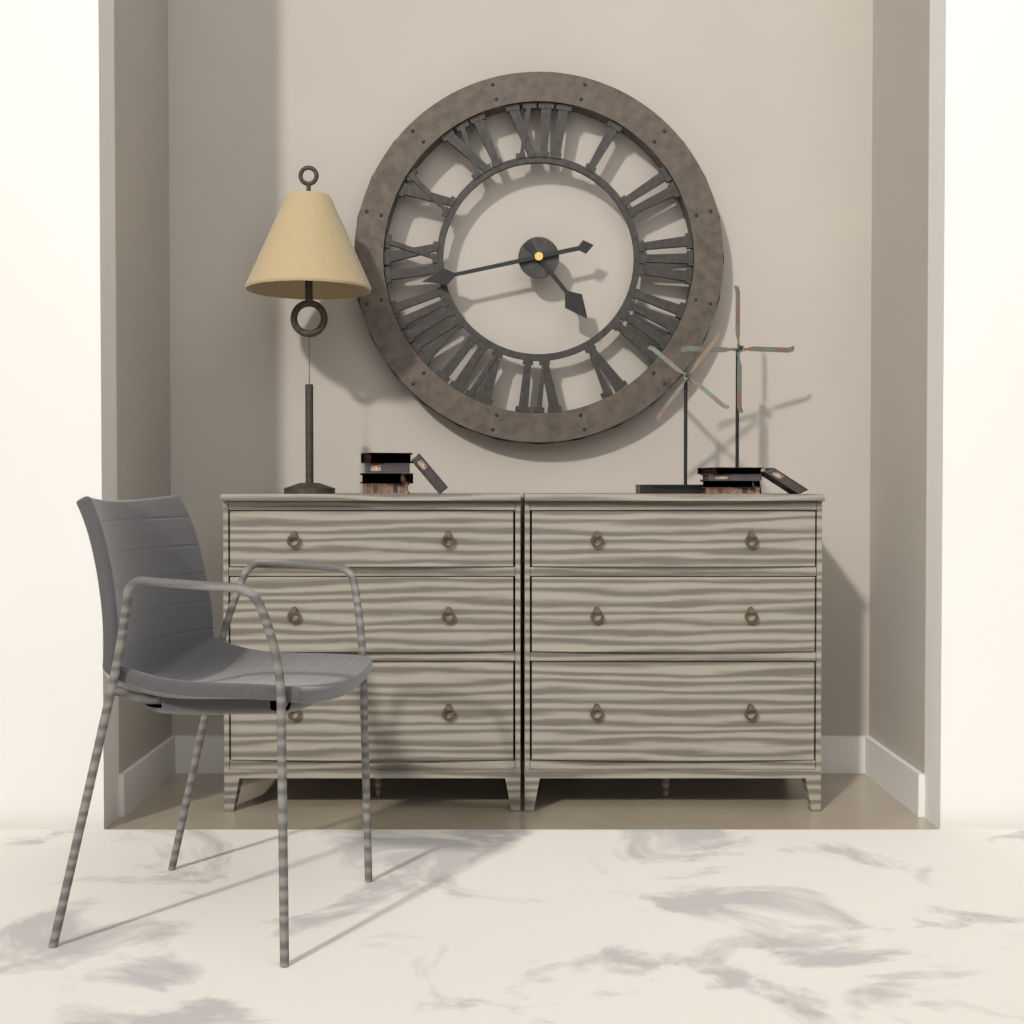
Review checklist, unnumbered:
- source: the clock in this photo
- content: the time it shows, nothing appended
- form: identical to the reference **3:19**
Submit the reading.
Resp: **4:43**
